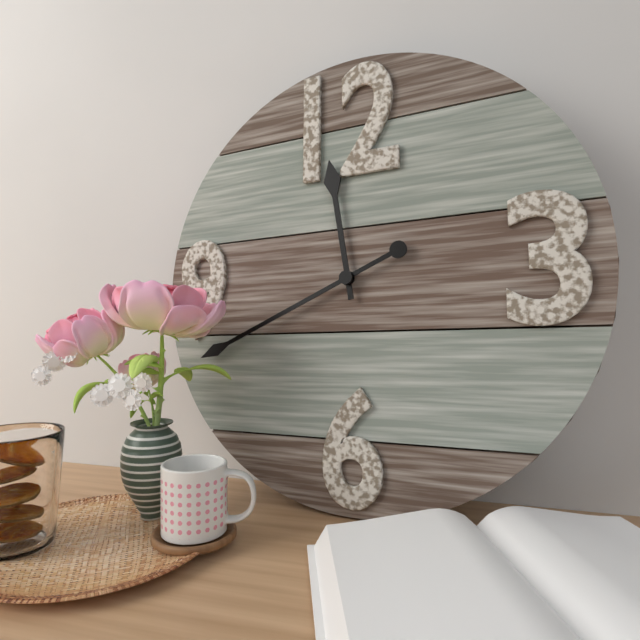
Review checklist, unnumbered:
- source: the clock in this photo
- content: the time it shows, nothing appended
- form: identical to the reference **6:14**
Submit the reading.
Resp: **11:41**
